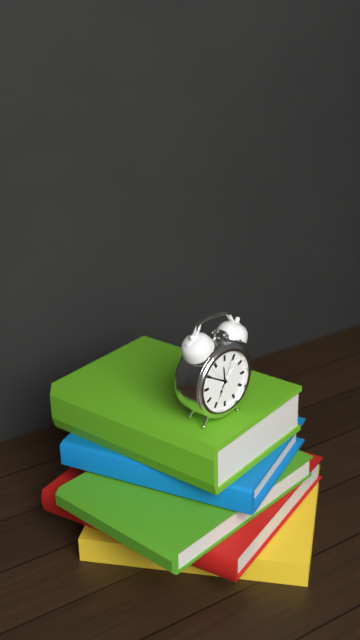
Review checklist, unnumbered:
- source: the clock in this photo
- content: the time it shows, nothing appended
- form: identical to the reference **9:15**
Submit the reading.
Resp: **11:50**
